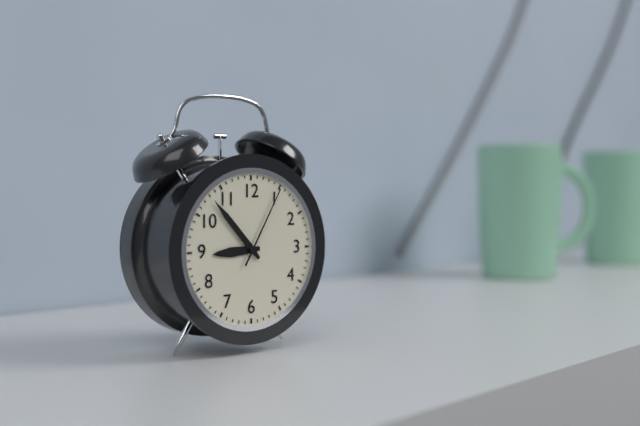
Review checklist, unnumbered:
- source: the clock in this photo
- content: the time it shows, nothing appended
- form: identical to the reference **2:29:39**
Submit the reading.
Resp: **8:53:05**
